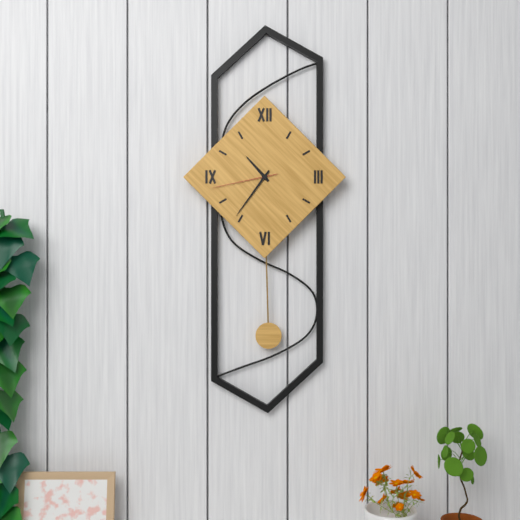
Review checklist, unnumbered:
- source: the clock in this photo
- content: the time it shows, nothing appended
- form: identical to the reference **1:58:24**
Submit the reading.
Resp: **10:36:43**
